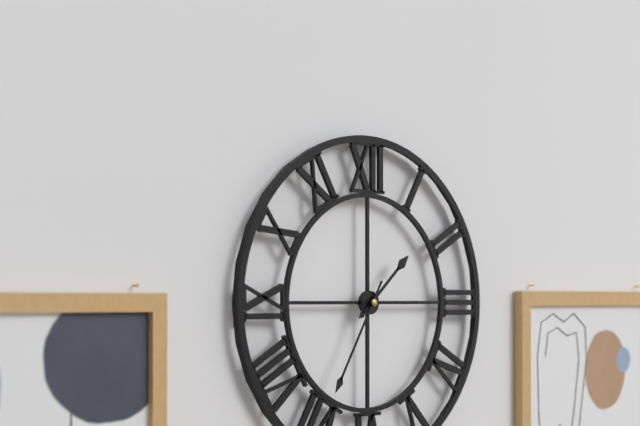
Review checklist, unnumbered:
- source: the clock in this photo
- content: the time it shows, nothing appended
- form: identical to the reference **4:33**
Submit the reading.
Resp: **1:35**
